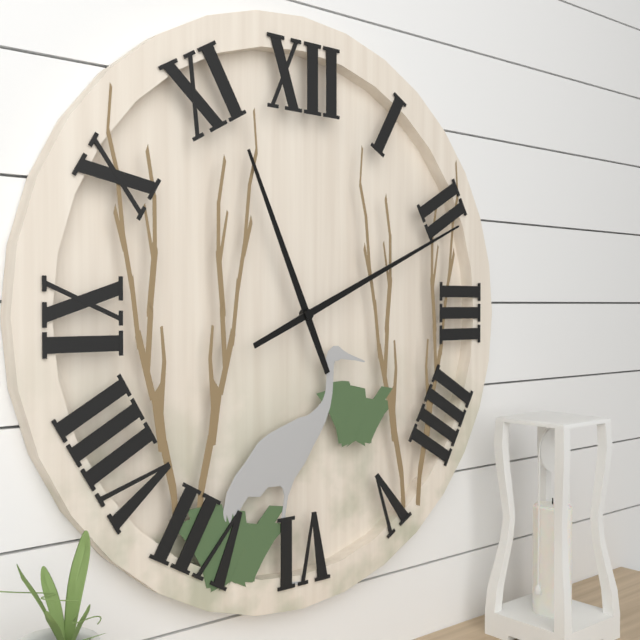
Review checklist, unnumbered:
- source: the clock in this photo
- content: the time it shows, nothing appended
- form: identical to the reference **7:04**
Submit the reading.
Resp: **11:11**
